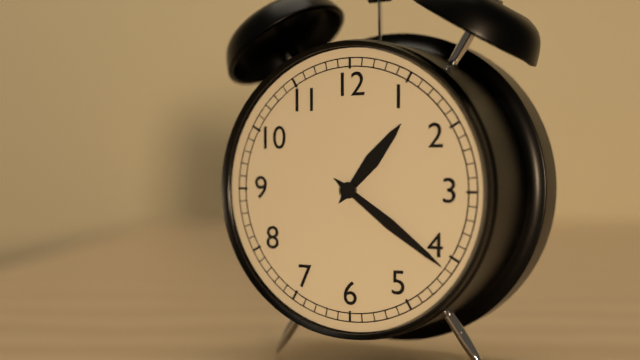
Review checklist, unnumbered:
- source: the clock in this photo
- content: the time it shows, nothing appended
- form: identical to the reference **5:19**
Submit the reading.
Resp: **1:21**
